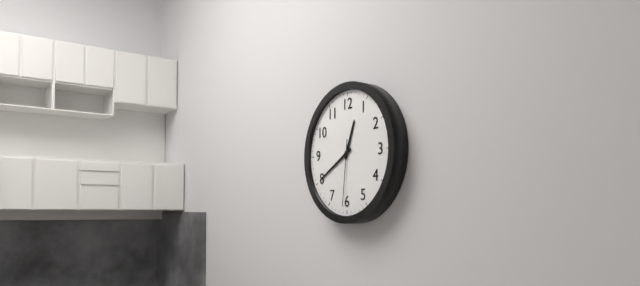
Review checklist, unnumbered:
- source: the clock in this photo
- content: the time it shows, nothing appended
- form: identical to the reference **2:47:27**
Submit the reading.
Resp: **12:40:31**
